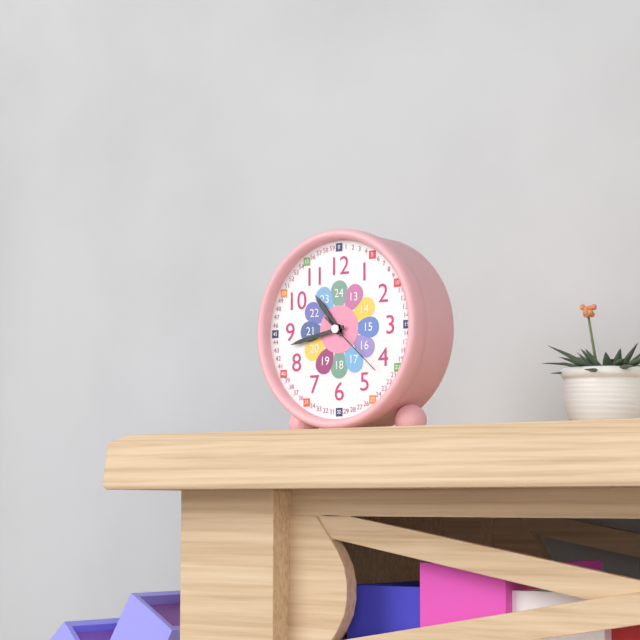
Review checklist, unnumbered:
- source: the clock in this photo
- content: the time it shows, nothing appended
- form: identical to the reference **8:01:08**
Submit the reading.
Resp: **10:43:22**
